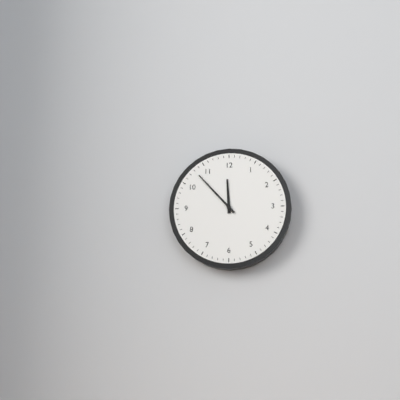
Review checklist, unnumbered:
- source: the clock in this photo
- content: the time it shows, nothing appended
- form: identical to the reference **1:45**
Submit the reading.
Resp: **11:53**
